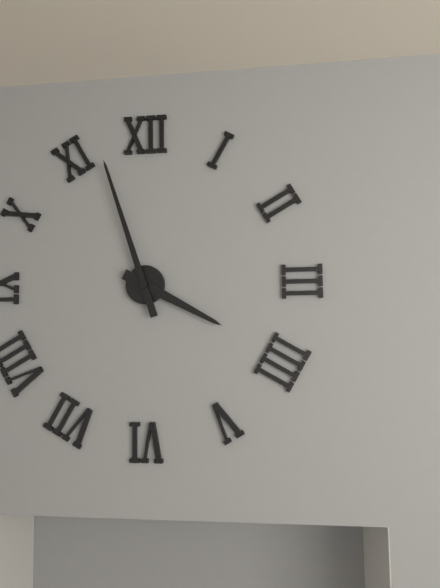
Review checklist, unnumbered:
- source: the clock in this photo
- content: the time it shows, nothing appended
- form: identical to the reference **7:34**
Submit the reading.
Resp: **3:57**
